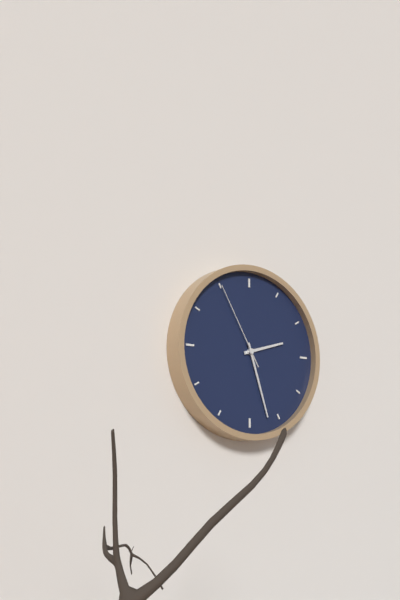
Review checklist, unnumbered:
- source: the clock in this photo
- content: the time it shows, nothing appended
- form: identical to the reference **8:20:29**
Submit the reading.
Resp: **2:27:55**
